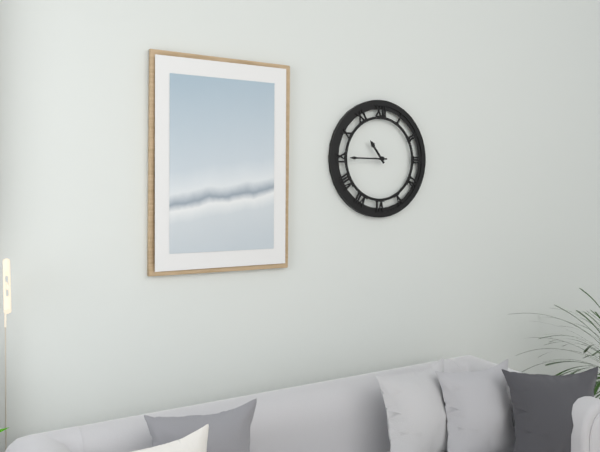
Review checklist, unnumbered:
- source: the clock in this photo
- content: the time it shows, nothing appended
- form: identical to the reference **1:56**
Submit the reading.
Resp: **10:45**
